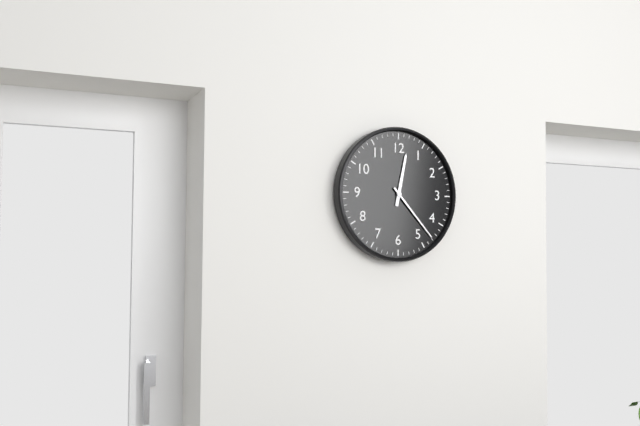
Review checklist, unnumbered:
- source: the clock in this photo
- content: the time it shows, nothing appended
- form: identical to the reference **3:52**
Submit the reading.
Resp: **12:23**
